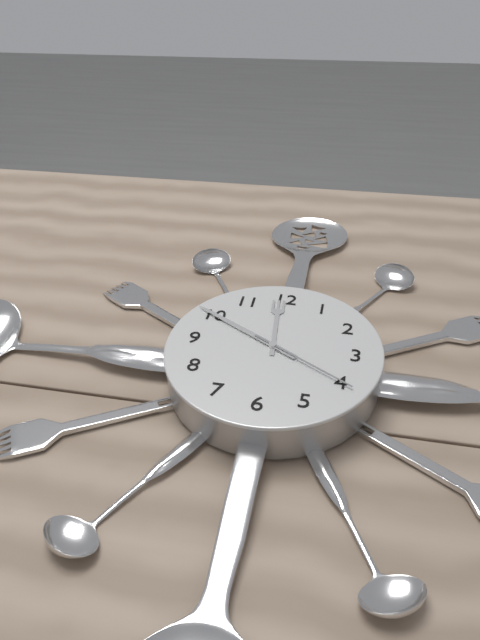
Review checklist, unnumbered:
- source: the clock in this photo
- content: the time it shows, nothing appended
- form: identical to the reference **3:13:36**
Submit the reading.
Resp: **11:50:20**
